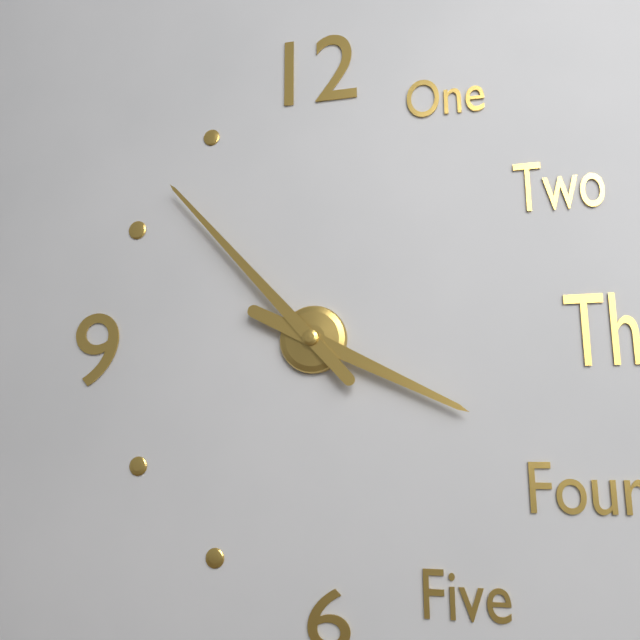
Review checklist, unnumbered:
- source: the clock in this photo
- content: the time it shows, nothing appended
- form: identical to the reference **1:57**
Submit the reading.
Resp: **3:53**
